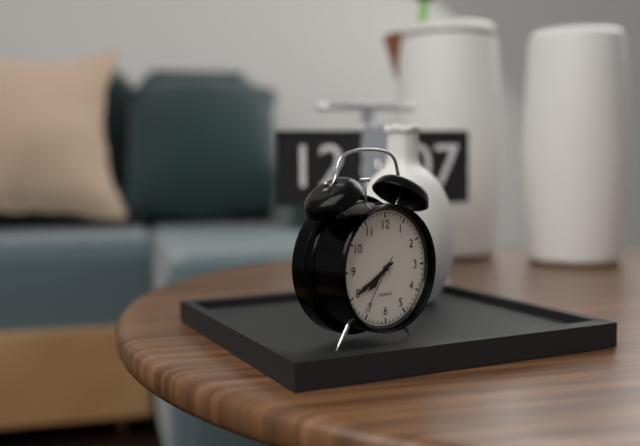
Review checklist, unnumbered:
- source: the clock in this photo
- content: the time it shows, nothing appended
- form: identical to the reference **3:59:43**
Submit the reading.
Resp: **7:40:36**
